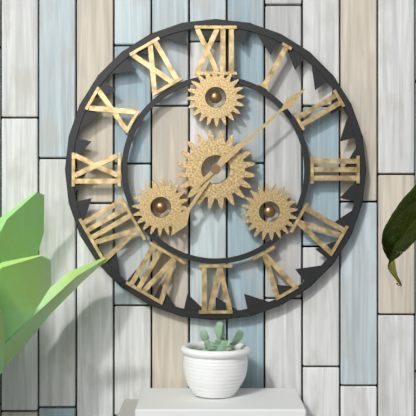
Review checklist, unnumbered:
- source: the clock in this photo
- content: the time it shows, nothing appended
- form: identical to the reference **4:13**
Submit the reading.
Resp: **7:08**
